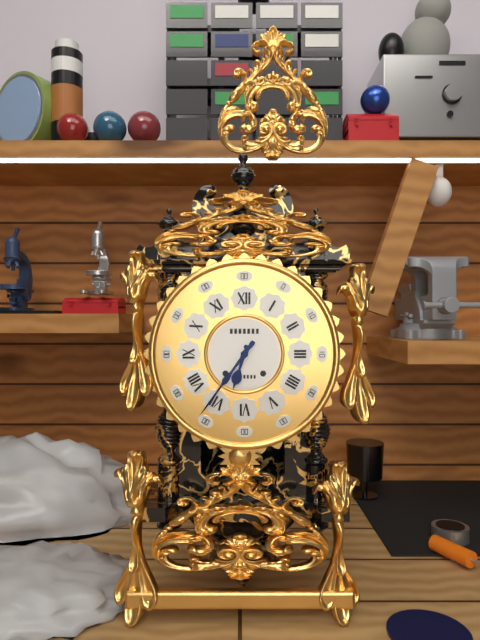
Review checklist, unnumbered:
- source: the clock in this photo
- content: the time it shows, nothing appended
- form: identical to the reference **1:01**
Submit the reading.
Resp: **6:36**
